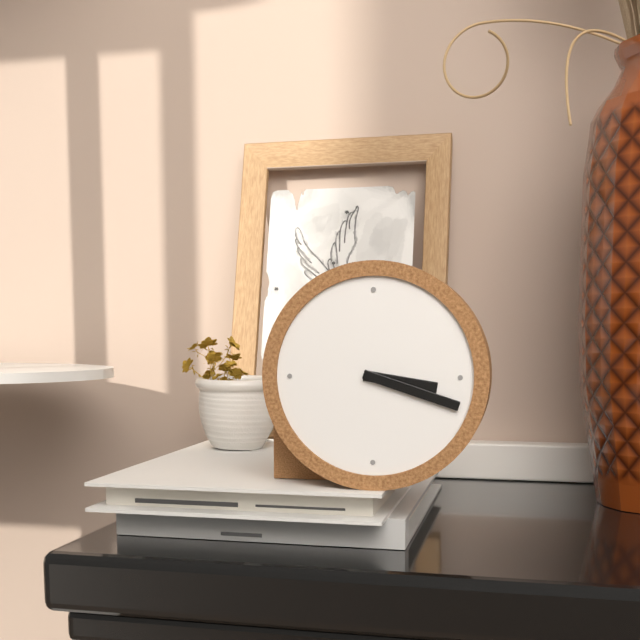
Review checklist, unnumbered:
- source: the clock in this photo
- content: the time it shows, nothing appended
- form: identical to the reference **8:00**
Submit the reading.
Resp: **3:18**
